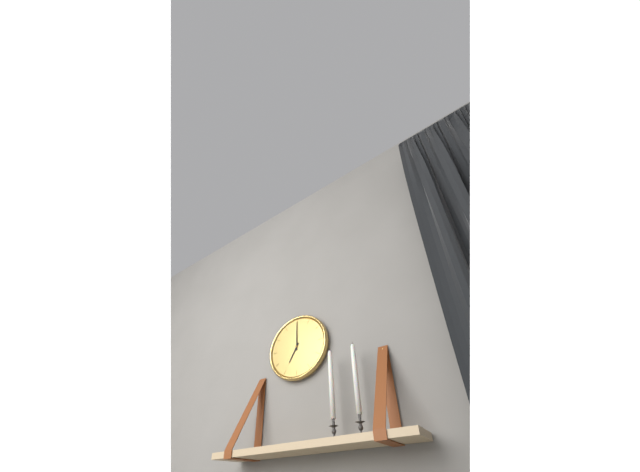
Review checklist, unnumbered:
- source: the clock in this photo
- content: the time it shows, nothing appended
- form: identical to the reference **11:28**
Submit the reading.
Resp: **7:00**
